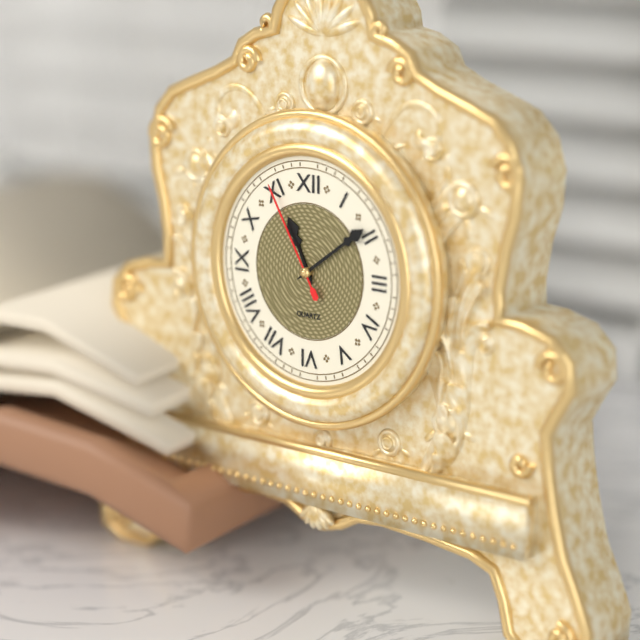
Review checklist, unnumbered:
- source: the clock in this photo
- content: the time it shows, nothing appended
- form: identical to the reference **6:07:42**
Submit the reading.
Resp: **11:09:55**
